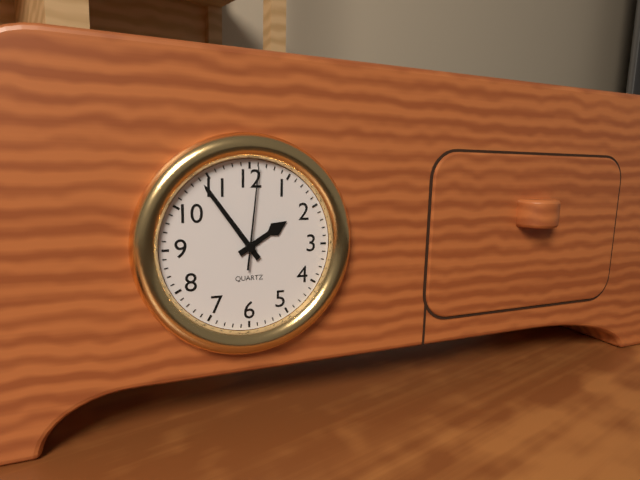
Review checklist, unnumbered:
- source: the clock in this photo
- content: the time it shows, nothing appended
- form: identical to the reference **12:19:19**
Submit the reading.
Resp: **1:54:01**
